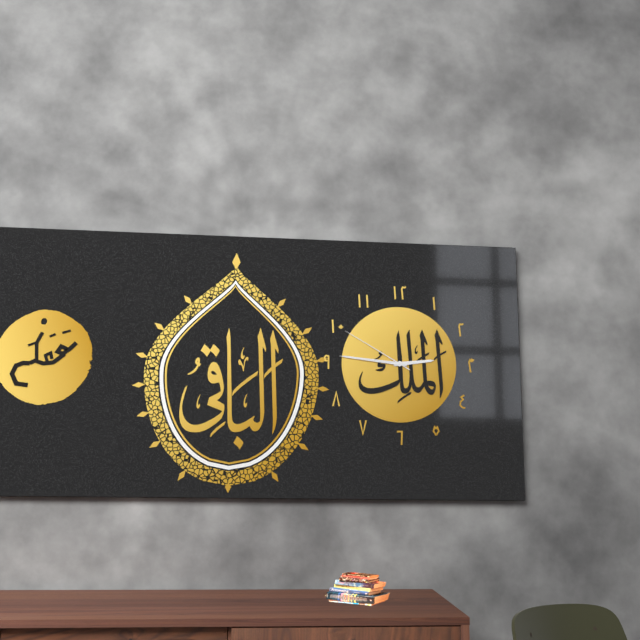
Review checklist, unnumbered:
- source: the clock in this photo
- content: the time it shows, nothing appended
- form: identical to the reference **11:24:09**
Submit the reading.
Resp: **2:46:50**
